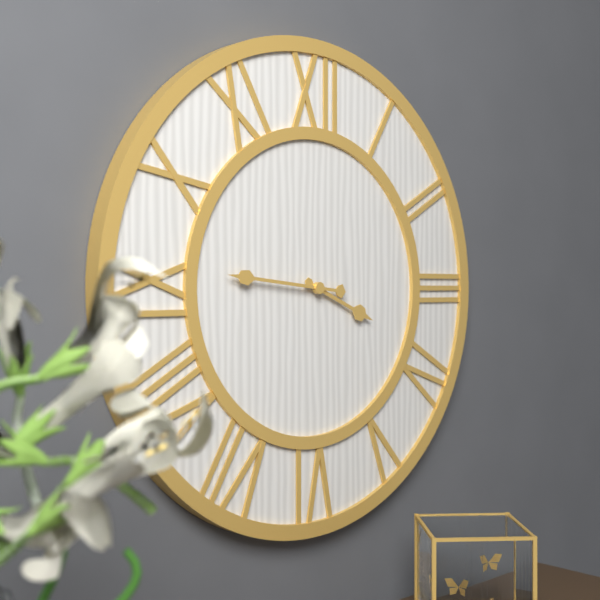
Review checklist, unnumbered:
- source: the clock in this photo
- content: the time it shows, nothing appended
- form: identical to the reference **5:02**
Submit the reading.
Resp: **3:46**
